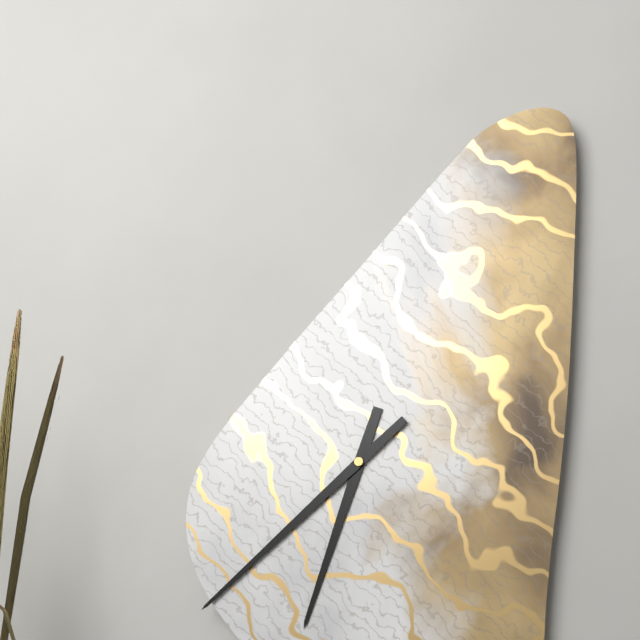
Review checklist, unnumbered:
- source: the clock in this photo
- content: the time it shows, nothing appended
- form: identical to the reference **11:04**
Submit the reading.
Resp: **6:38**
